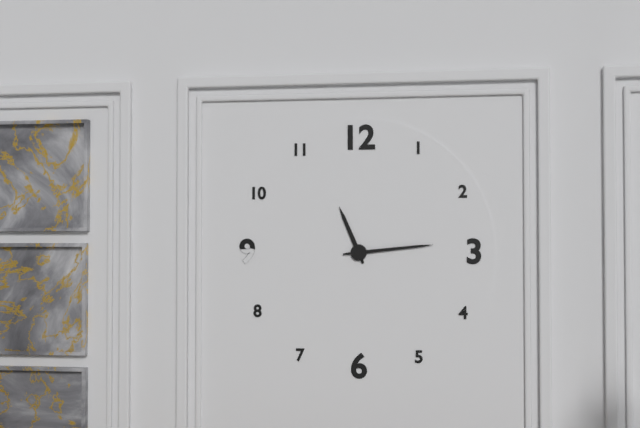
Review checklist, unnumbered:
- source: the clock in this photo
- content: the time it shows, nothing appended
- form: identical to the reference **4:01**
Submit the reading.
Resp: **11:14**
